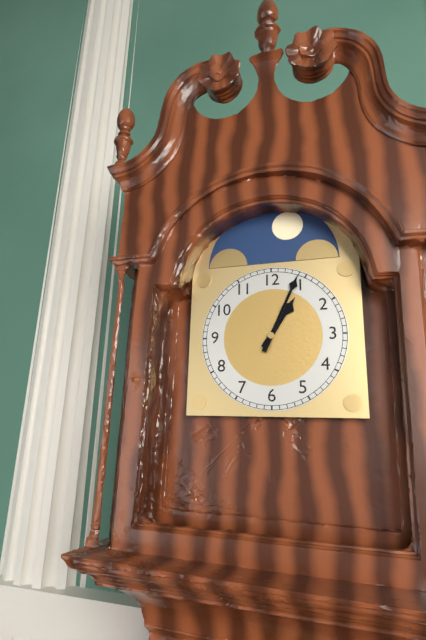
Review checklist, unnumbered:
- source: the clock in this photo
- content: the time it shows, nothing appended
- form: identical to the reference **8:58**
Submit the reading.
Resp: **1:04**
